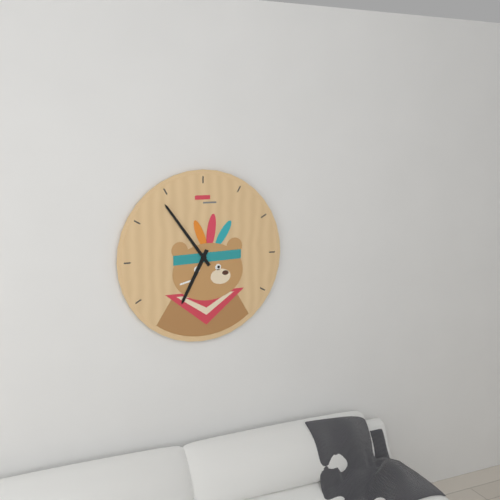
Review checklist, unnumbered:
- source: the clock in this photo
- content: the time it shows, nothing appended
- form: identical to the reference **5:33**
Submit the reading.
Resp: **6:54**
